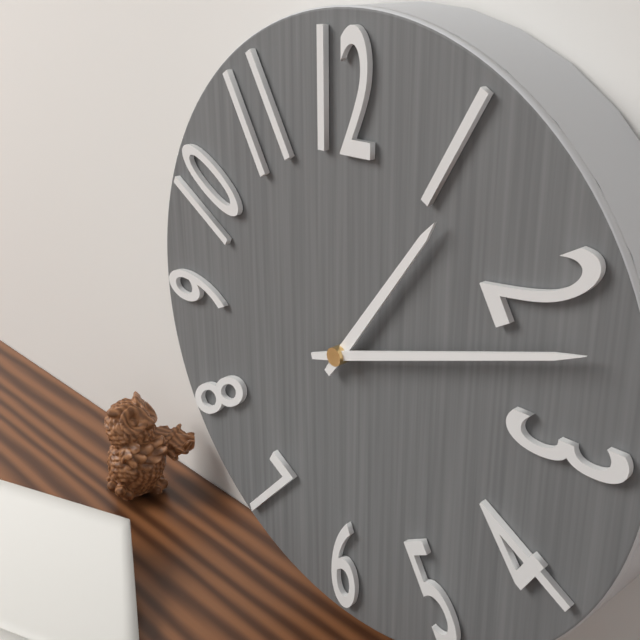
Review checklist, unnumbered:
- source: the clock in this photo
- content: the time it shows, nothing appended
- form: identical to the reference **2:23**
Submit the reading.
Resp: **1:12**
